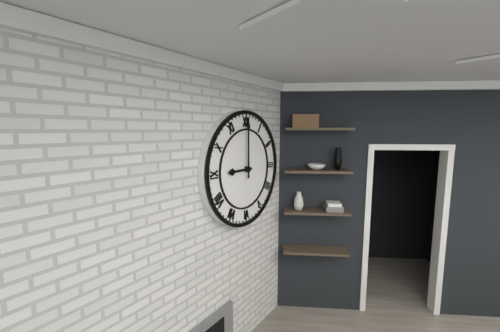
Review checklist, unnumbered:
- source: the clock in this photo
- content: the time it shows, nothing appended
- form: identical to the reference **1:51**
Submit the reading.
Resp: **9:00**
